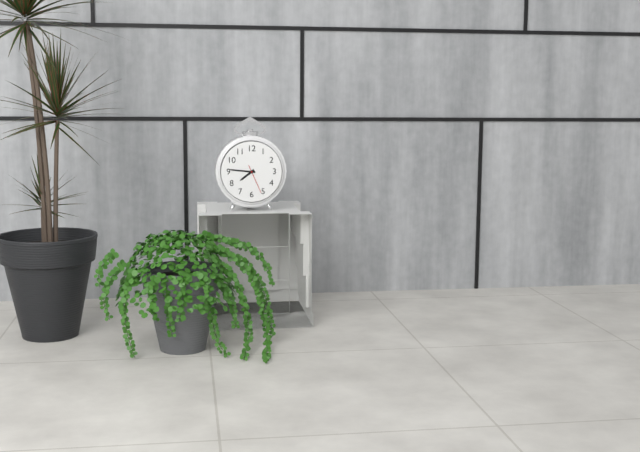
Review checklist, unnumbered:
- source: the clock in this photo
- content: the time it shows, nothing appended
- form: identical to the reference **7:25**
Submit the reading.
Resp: **7:46**
